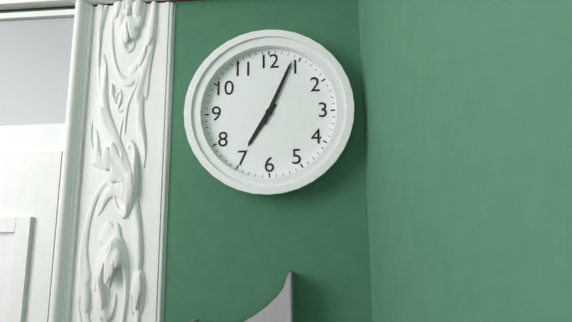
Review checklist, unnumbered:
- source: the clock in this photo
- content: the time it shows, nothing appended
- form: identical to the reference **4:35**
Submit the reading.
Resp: **7:04**
